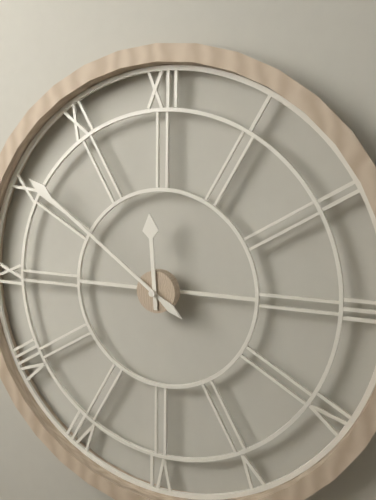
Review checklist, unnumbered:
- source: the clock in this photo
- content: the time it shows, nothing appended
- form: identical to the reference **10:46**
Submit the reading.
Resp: **11:51**
